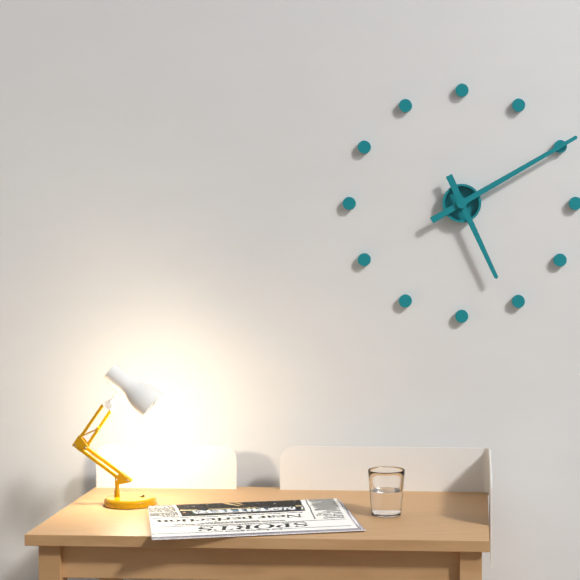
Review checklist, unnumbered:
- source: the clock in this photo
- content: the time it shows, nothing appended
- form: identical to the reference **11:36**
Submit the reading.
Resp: **5:10**
